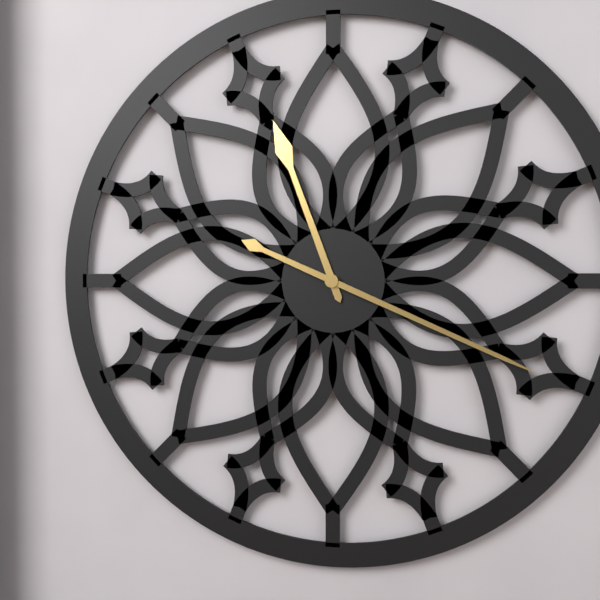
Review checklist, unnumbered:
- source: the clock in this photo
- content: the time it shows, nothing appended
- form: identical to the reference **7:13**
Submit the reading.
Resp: **11:19**
